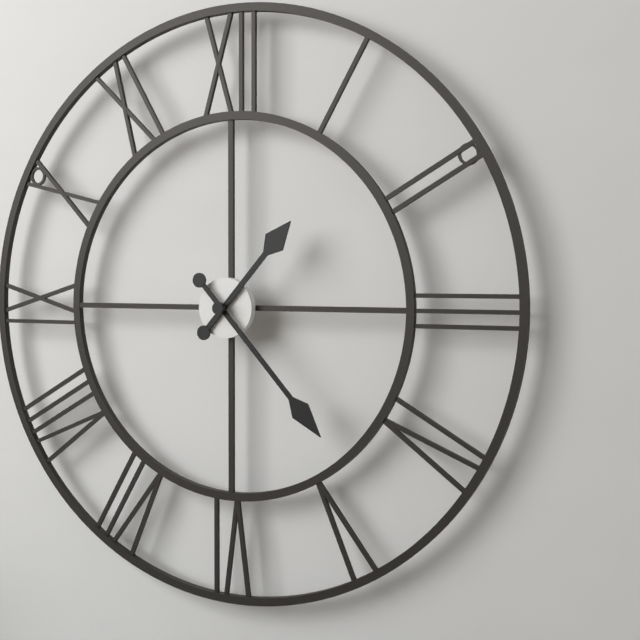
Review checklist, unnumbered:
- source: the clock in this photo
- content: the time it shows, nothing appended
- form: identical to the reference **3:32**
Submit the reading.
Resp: **1:23**
